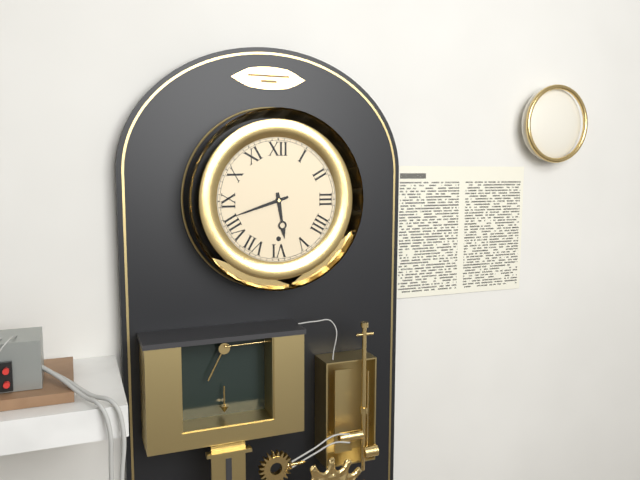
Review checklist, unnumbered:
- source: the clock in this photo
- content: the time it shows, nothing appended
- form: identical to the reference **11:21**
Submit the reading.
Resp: **5:42**
